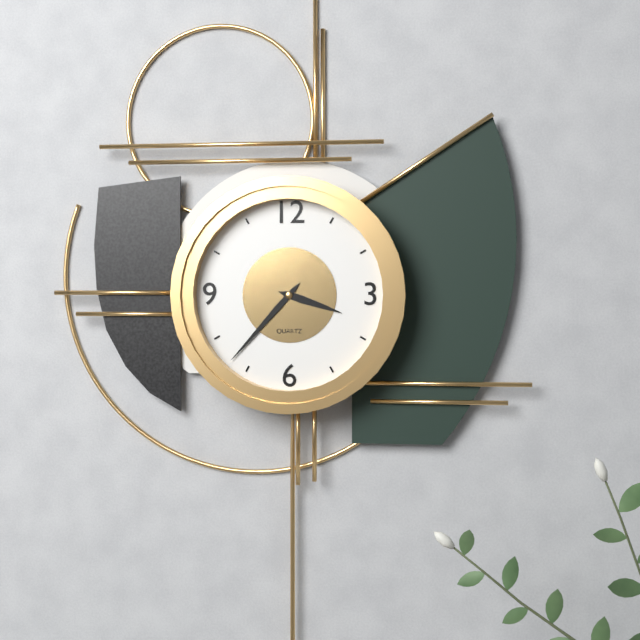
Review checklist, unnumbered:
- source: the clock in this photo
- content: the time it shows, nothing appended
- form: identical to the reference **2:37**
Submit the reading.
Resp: **3:37**
